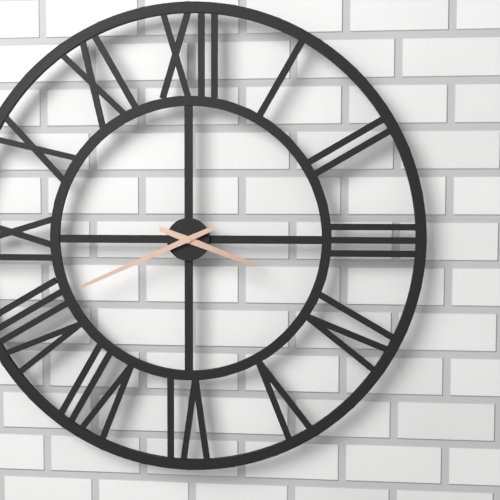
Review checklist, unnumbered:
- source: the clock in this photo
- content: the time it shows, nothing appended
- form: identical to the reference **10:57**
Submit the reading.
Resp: **3:41**
